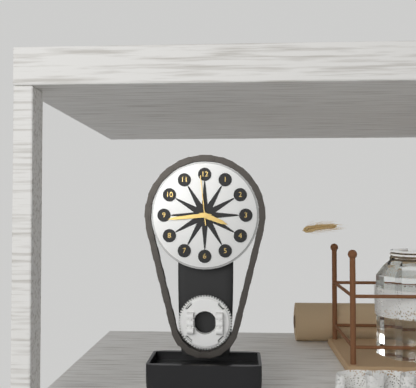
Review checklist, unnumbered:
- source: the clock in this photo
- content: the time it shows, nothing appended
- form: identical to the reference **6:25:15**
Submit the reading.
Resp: **3:44:59**
